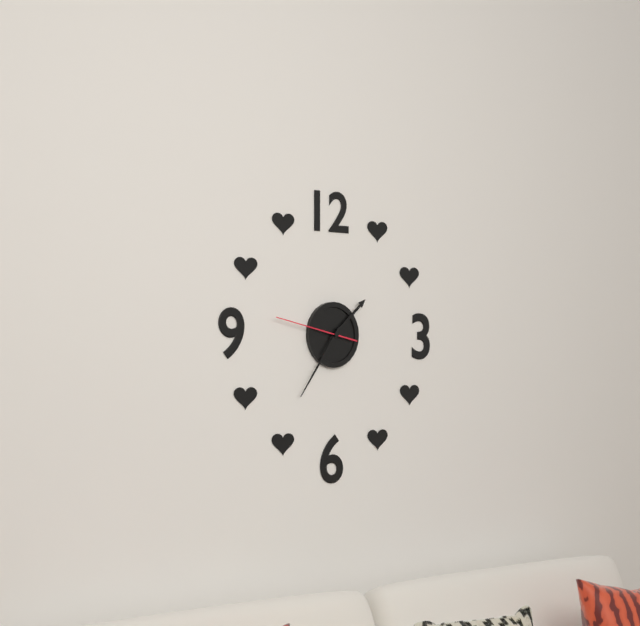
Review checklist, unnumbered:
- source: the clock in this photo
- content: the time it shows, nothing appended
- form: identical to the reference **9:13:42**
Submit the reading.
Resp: **1:36:47**
